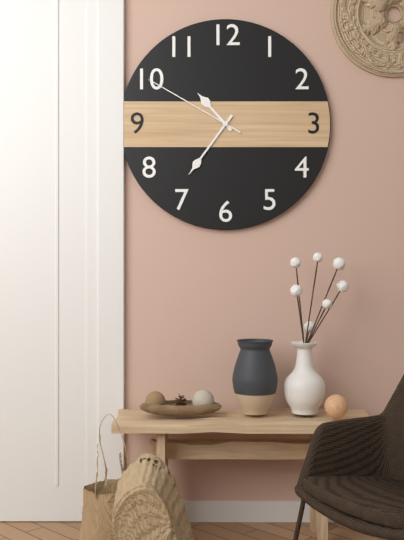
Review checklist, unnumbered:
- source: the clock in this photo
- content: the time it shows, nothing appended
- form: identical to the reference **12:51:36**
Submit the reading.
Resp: **10:36:50**
